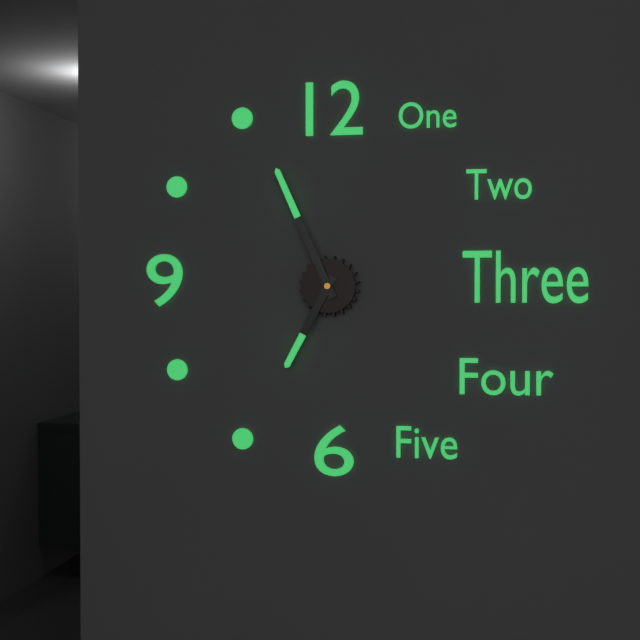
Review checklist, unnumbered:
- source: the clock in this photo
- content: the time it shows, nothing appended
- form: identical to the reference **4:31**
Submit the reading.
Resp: **6:56**
